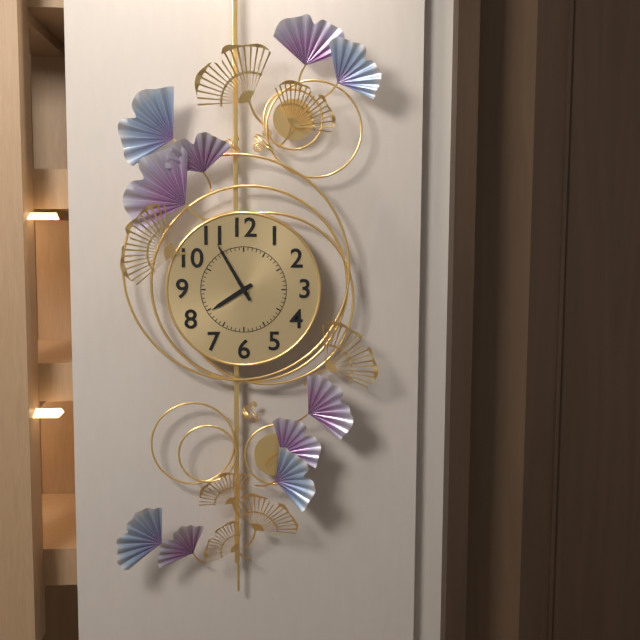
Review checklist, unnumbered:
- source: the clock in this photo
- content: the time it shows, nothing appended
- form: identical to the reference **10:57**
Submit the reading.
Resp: **7:55**
